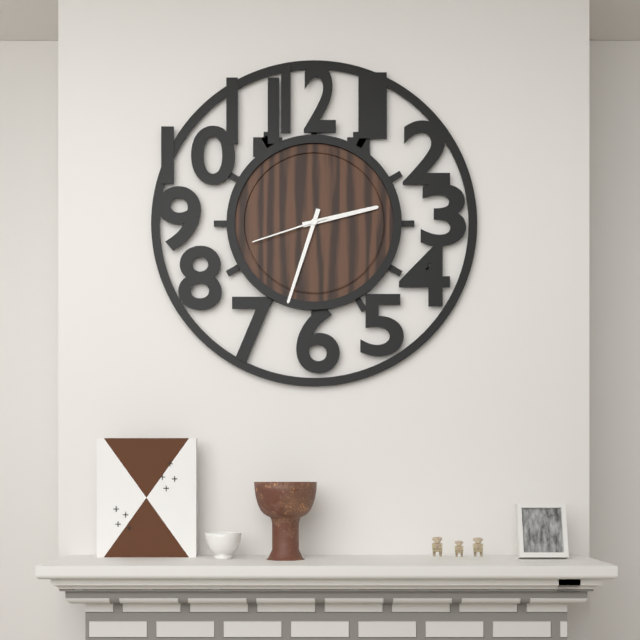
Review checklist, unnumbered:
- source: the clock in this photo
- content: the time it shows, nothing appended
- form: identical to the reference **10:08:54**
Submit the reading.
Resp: **2:33:42**
